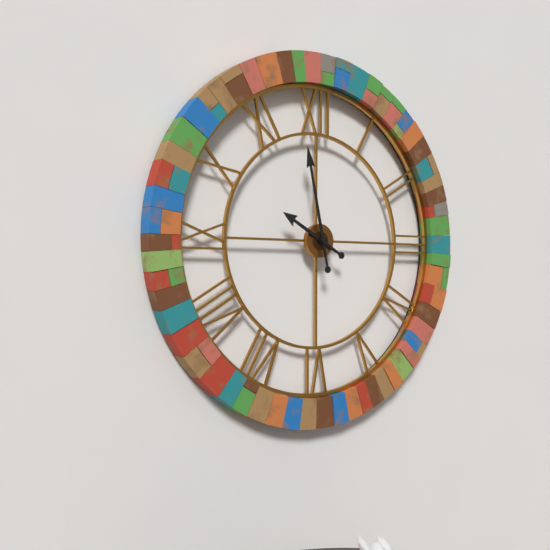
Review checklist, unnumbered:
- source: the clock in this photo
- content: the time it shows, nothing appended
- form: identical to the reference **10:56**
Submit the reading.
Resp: **9:58**
